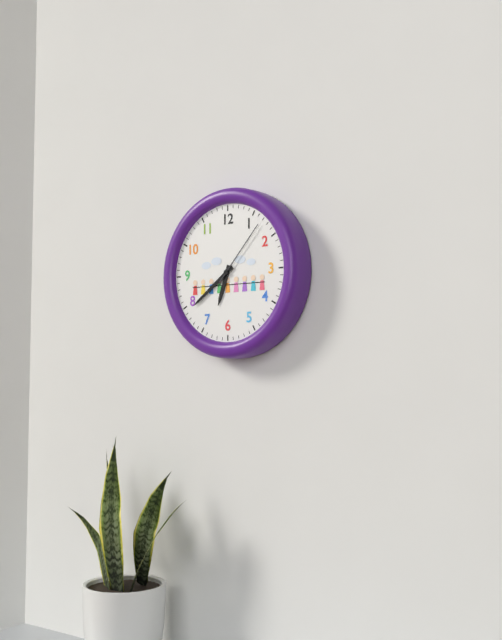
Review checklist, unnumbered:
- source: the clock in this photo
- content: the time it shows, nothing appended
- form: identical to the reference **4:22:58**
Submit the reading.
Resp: **6:39:07**
